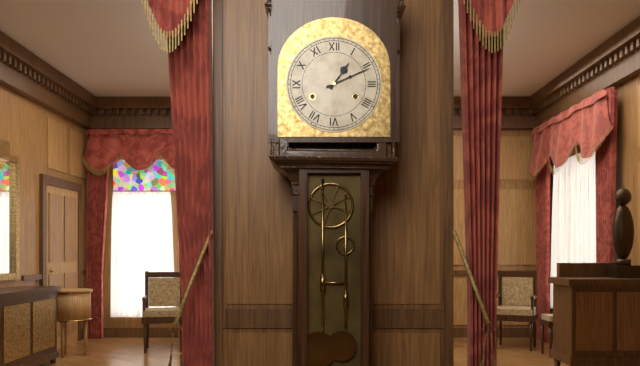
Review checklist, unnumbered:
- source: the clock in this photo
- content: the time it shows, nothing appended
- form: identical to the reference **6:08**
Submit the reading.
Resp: **1:11**
